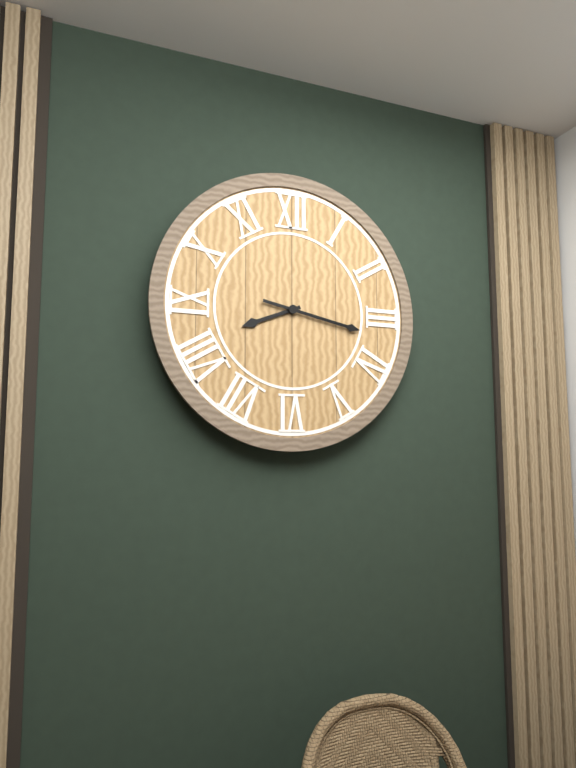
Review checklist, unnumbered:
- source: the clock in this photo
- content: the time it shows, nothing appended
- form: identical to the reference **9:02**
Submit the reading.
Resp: **8:17**
